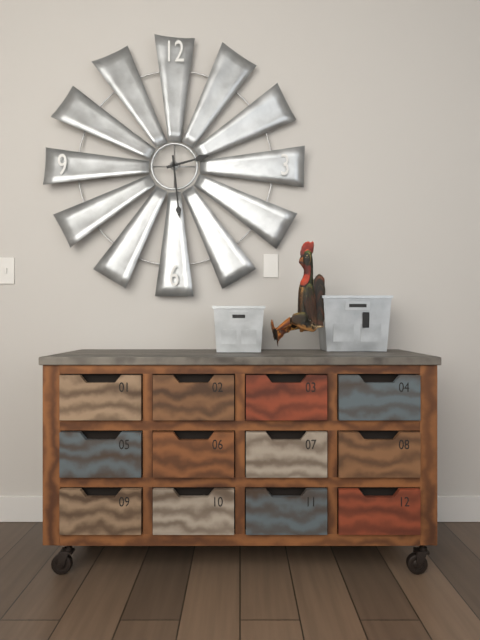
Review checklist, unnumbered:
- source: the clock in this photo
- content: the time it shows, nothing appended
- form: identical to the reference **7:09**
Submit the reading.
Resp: **2:29**
